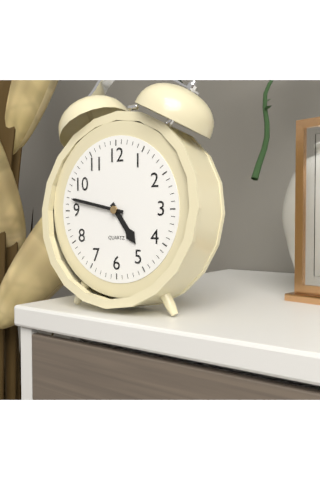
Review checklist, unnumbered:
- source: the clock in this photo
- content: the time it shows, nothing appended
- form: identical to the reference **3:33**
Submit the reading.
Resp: **4:47**
